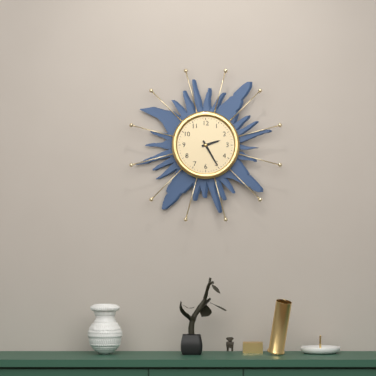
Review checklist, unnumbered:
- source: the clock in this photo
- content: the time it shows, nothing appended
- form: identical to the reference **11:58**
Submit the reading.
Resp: **2:25**
